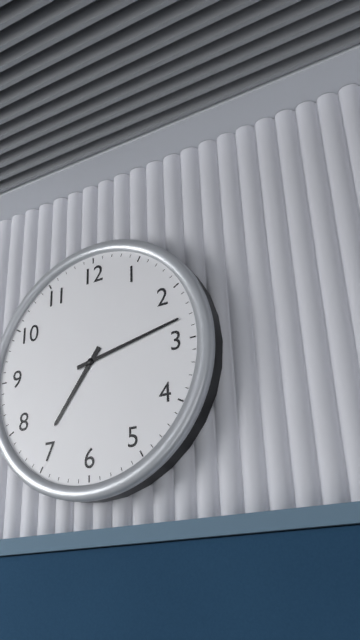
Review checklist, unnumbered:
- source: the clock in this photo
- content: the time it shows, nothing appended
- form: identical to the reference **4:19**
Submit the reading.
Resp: **7:13**
